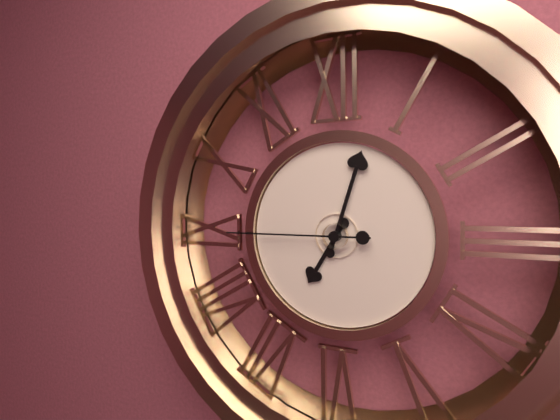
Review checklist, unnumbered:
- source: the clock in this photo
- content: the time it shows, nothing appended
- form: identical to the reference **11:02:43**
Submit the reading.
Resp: **7:03:45**
